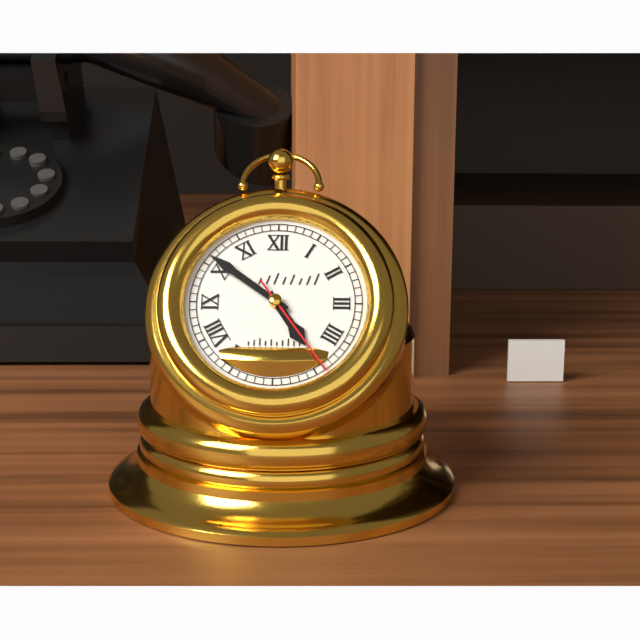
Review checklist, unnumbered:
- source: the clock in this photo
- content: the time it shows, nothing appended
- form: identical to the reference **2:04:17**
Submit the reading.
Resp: **4:51:24**
